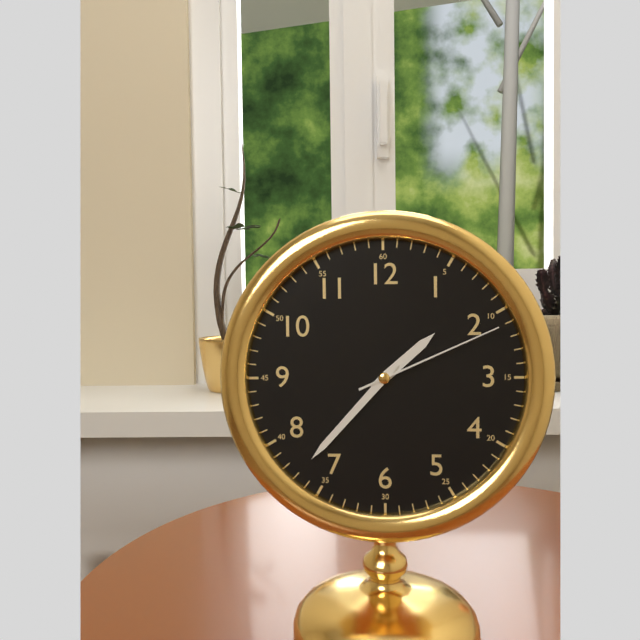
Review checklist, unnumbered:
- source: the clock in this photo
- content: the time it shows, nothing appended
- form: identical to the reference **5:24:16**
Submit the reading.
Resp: **1:37:11**
